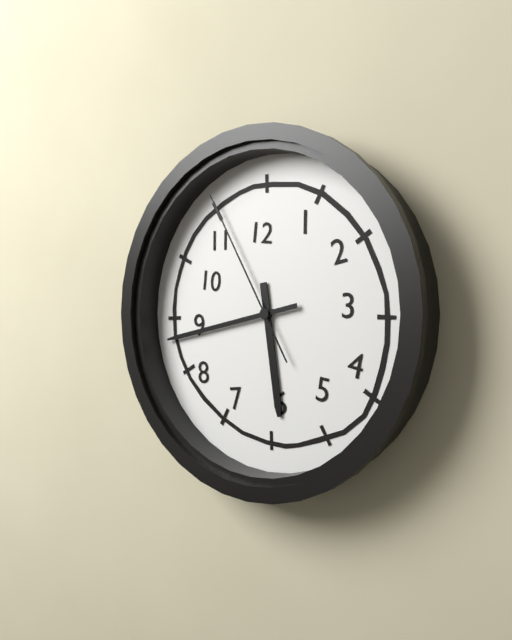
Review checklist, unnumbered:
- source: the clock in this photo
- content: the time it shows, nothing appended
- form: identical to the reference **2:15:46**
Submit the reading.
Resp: **5:43:55**
